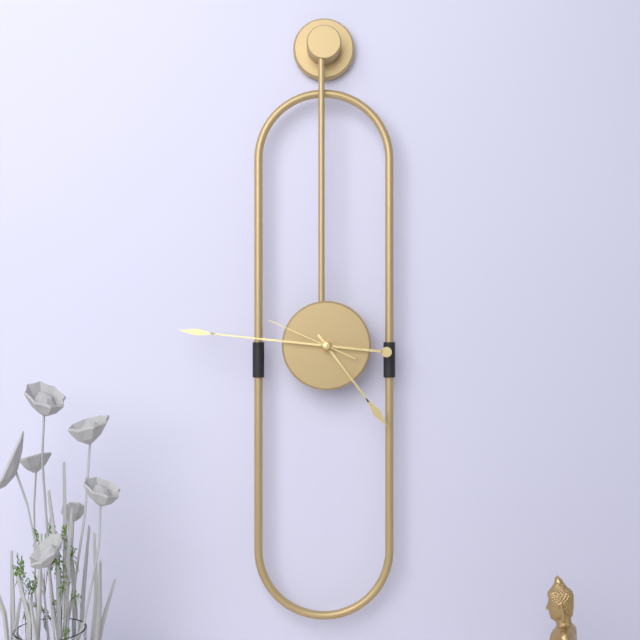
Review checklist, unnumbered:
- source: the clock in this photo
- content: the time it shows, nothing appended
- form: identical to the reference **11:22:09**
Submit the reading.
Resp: **4:46:49**
